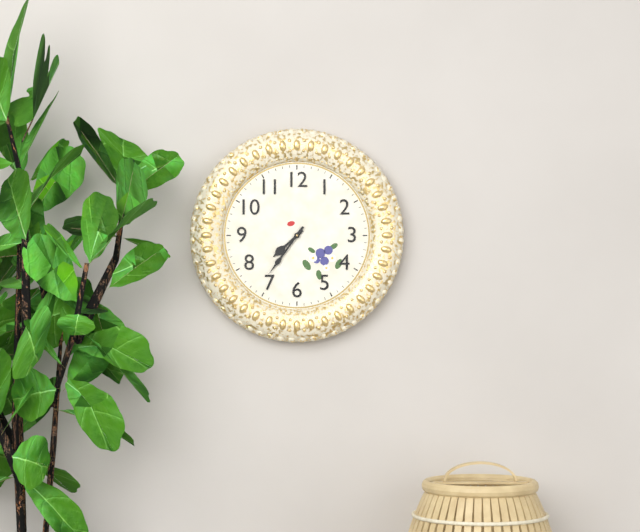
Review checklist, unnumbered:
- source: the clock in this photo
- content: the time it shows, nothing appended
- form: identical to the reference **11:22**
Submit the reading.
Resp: **7:36**
